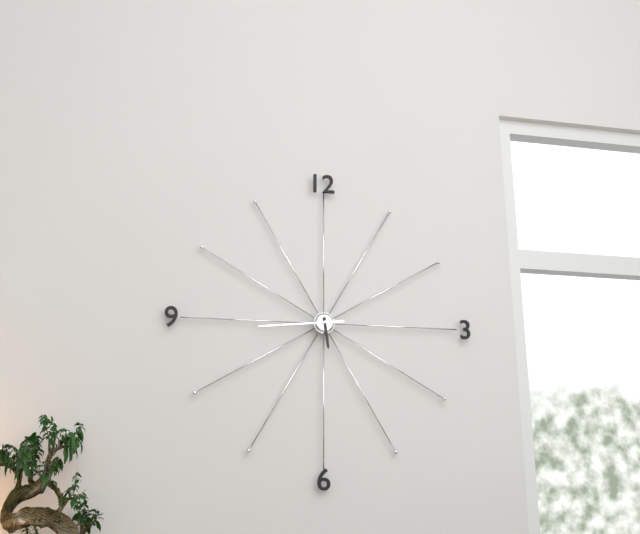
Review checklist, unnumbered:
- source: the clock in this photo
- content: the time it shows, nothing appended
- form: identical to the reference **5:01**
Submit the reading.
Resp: **5:44**
